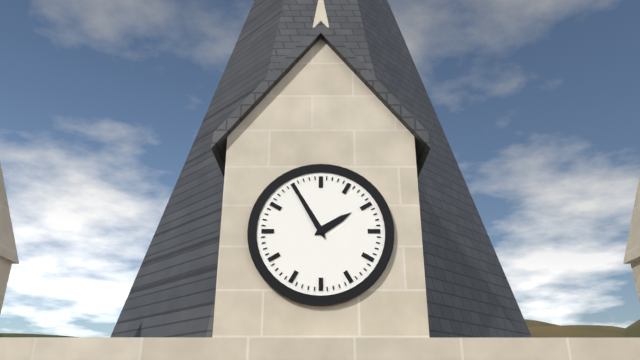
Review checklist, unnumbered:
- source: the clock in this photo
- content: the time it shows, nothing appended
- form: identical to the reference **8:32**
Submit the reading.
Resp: **1:55**
